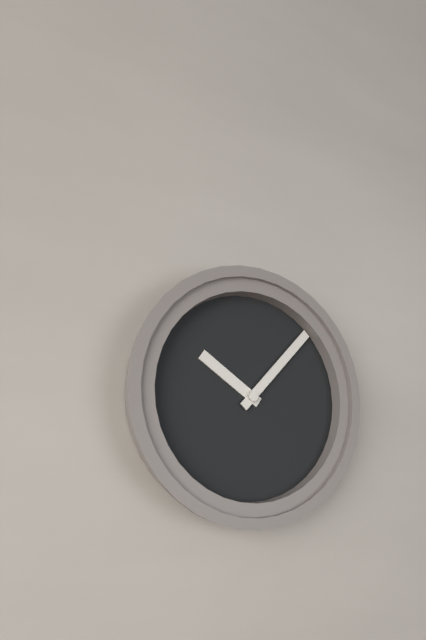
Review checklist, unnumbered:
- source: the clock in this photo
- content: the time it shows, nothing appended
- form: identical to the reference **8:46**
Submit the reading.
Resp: **10:07**
